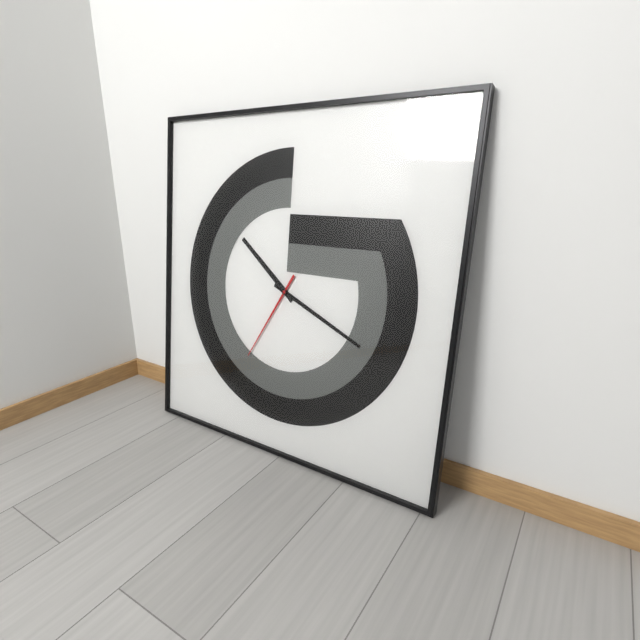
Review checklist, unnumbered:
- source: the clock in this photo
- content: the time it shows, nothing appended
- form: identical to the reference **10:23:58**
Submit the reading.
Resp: **10:19:35**
